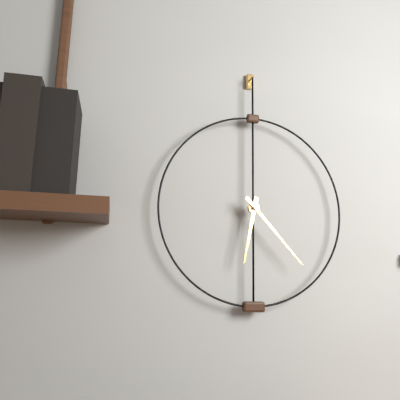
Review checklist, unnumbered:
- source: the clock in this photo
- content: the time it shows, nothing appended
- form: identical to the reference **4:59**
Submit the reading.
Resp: **6:23**
